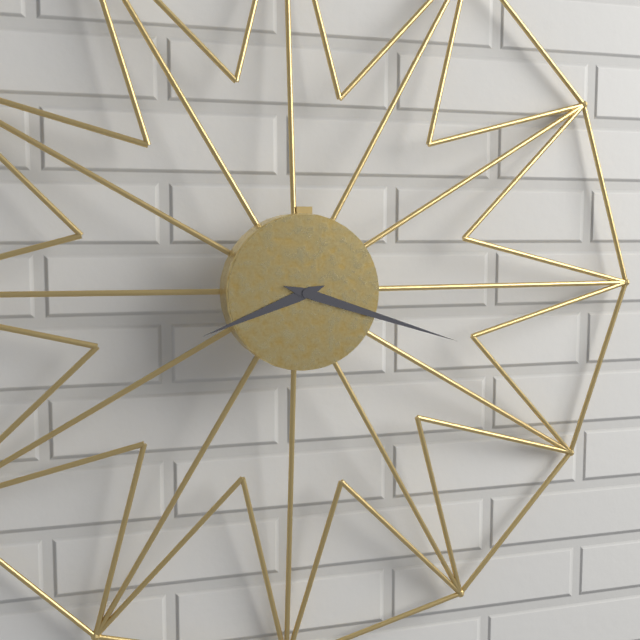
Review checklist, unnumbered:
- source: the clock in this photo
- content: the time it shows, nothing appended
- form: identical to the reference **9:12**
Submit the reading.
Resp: **8:18**
